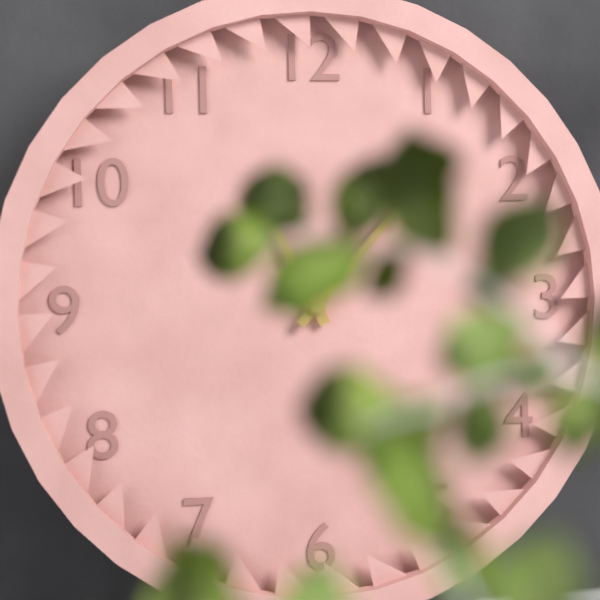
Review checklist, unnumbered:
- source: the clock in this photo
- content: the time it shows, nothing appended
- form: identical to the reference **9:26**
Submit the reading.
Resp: **11:07**
